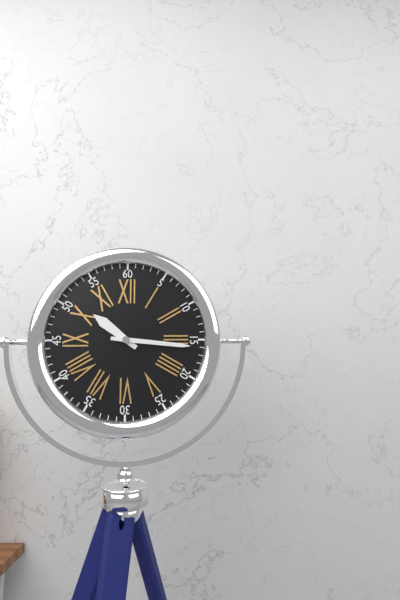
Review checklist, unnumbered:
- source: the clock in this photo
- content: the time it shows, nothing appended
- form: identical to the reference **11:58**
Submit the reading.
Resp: **10:16**
